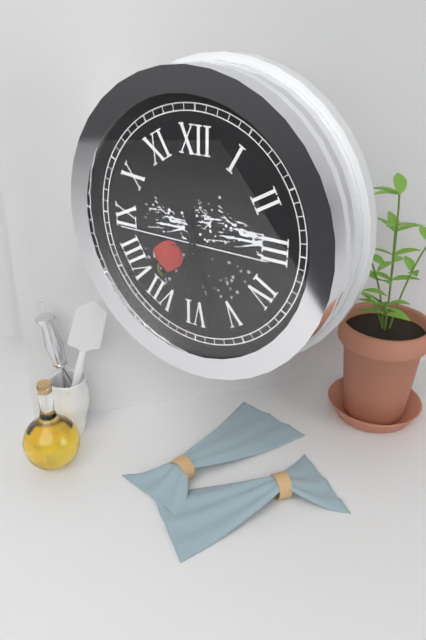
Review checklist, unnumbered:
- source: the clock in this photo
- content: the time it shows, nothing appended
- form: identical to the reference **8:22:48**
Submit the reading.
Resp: **6:28:26**
